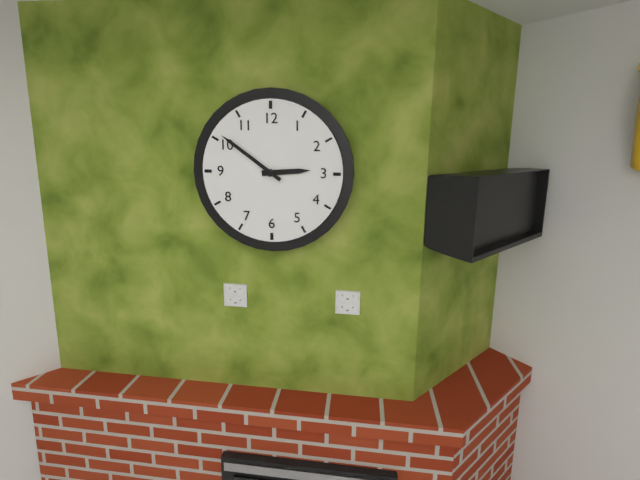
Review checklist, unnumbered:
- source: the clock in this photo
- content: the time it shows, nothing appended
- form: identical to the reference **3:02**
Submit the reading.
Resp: **2:51**
